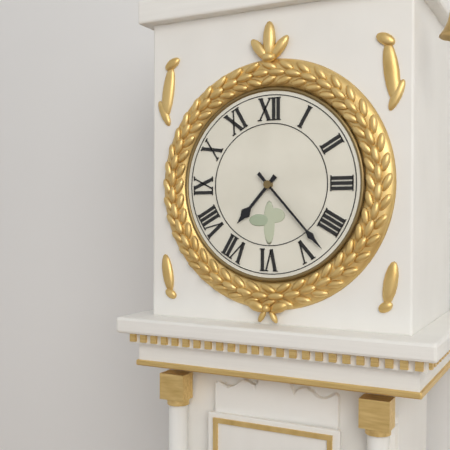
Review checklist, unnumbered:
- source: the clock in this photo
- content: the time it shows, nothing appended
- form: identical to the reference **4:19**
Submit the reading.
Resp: **7:23**
